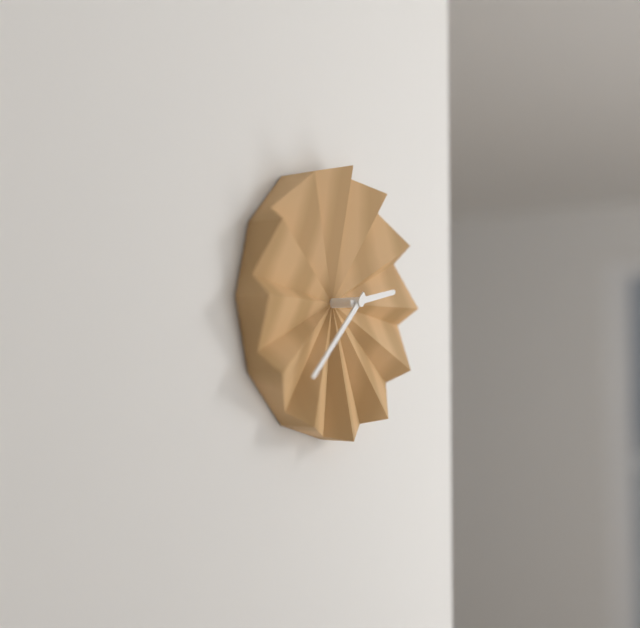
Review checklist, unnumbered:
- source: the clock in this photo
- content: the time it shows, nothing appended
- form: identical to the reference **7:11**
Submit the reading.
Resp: **2:38**
